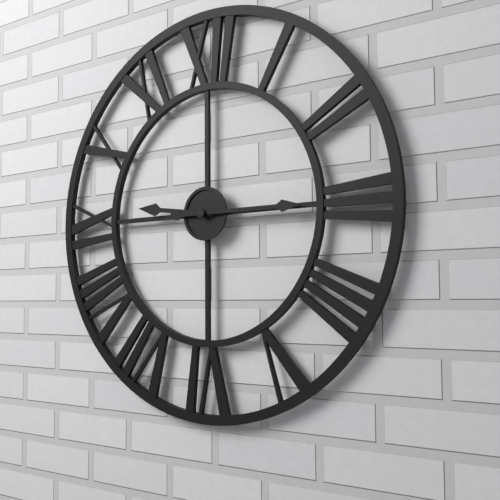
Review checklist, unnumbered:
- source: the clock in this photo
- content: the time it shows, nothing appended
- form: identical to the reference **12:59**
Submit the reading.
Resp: **9:15**
